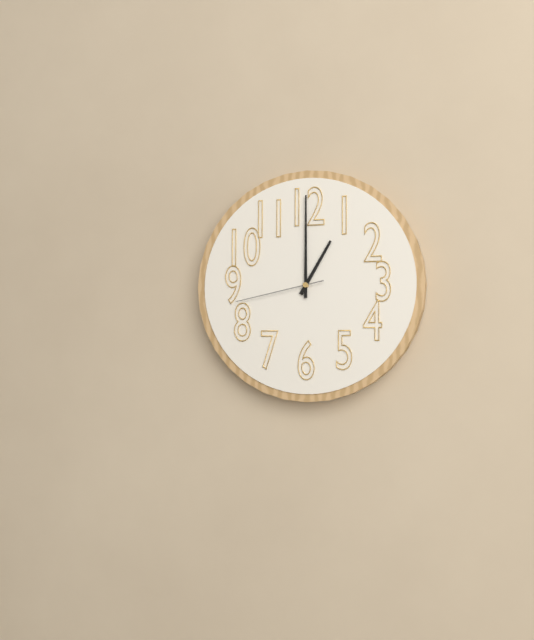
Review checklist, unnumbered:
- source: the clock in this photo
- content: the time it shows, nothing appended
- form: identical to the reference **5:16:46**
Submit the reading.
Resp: **1:00:43**
